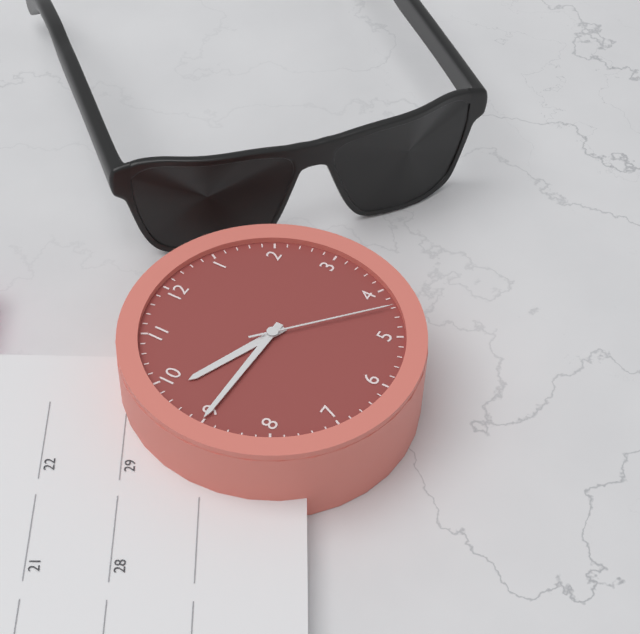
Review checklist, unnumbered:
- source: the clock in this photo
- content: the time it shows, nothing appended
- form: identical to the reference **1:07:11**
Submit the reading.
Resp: **9:45:22**
